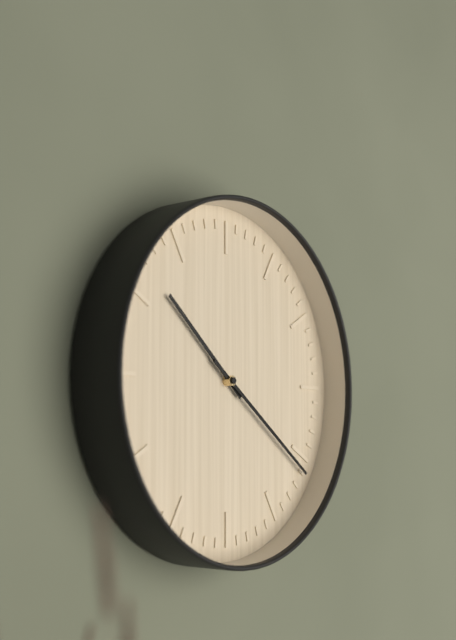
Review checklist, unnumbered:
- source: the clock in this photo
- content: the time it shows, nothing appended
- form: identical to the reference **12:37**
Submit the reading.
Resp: **10:21**
